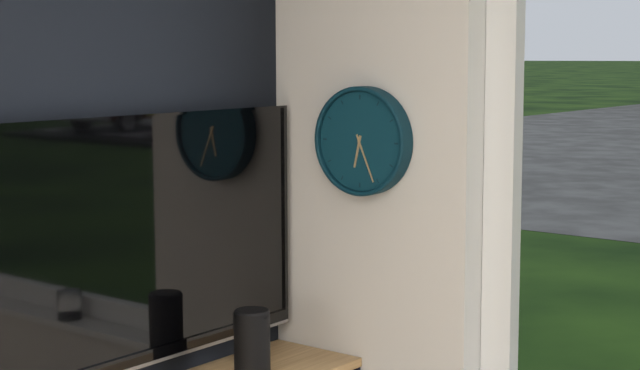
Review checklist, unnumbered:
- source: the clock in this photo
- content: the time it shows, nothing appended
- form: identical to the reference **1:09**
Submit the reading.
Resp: **6:26**
